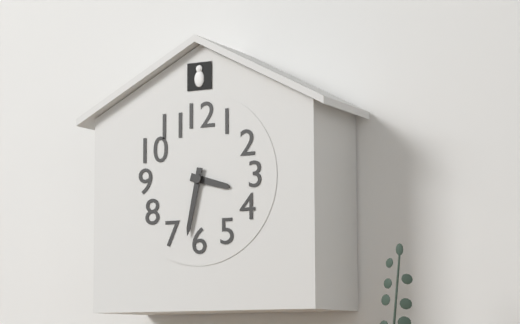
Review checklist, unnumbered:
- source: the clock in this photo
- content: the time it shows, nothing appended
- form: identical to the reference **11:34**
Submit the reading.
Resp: **3:32**
